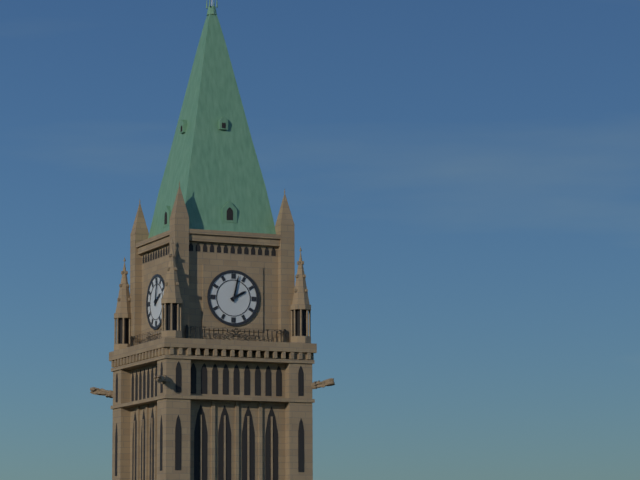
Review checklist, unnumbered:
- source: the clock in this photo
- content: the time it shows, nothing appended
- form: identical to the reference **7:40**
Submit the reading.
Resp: **2:02**
